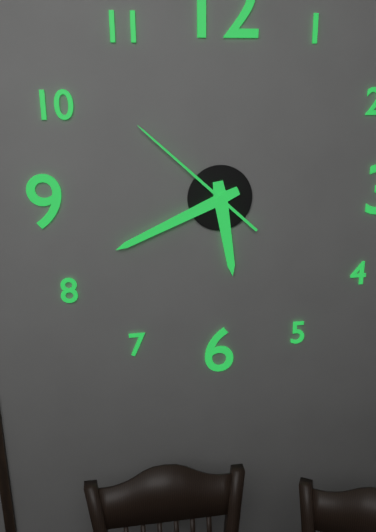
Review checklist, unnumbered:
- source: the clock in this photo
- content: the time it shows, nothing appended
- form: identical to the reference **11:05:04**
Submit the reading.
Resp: **5:41:52**
